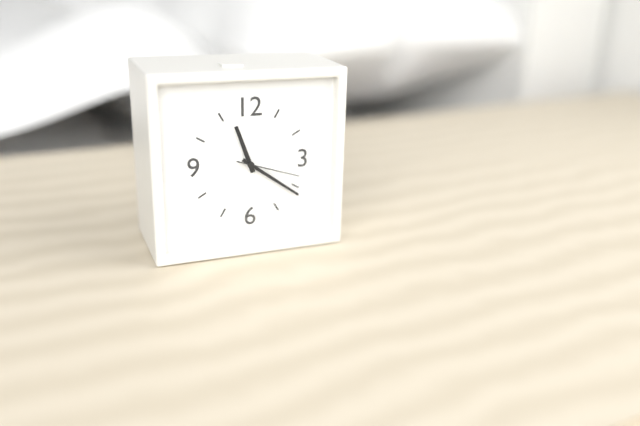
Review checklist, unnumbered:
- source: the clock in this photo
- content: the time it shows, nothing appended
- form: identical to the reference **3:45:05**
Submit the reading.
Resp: **11:21:18**
